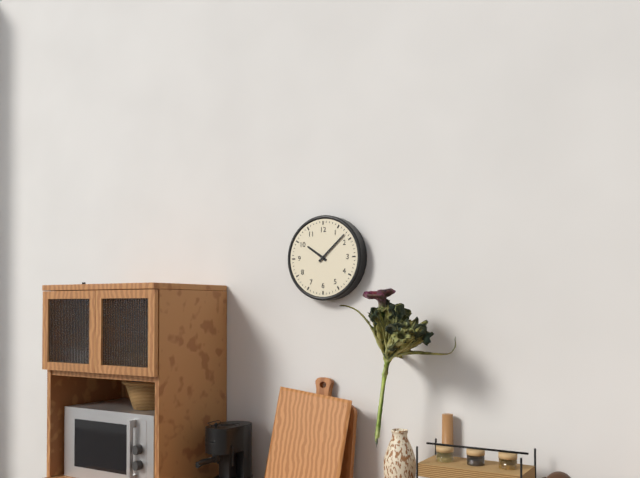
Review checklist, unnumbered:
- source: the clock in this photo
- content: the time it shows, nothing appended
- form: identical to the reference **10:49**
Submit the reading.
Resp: **10:08**
